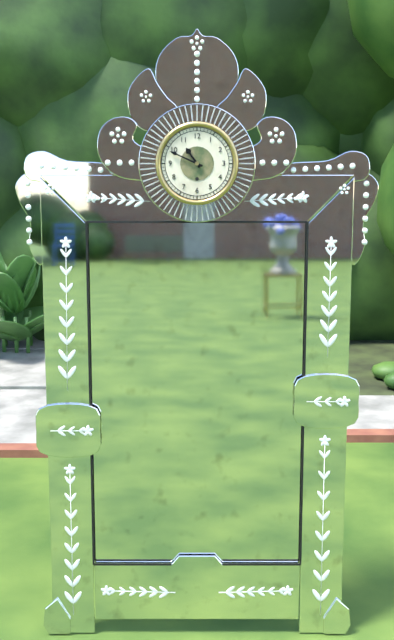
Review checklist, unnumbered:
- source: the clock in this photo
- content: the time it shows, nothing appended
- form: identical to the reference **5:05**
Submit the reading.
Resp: **10:49**
